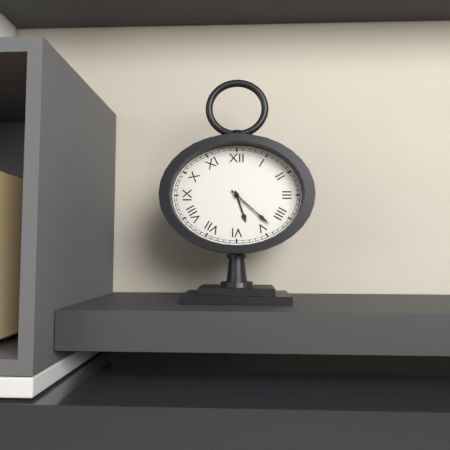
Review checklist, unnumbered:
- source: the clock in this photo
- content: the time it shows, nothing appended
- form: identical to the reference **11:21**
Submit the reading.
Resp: **5:22**
